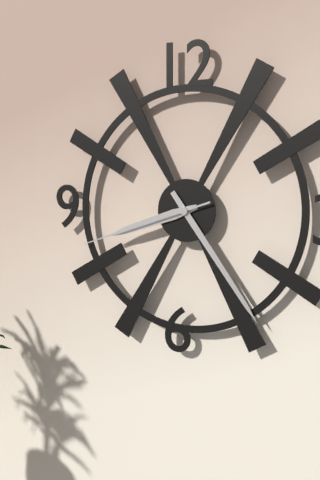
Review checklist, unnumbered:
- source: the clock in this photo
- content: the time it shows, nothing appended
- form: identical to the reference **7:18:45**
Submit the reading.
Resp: **8:24:42**
